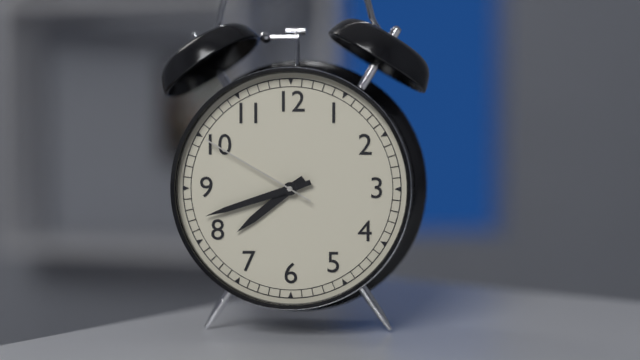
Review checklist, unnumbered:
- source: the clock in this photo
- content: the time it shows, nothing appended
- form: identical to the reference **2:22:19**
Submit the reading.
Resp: **7:42:50**
